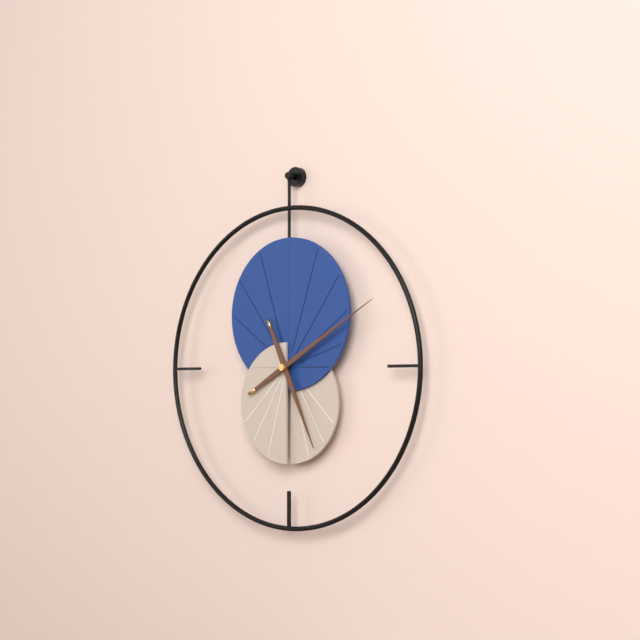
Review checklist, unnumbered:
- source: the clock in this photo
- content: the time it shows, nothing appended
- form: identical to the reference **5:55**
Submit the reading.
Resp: **5:10**
